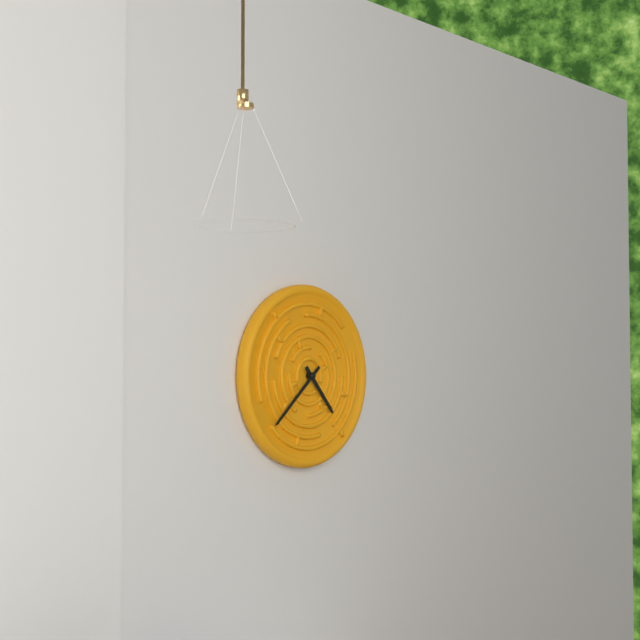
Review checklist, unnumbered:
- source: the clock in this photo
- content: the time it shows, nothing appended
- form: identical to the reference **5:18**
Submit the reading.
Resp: **4:38**
